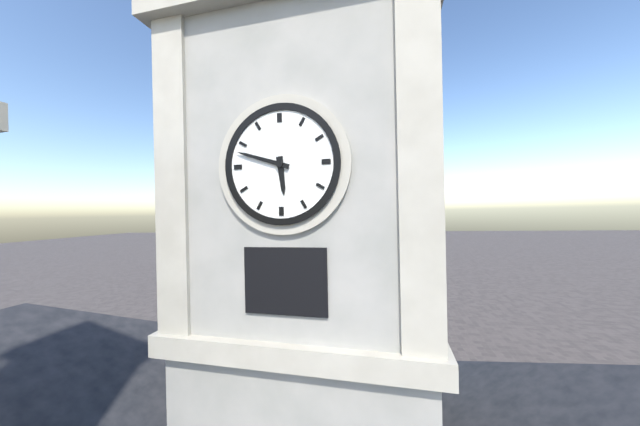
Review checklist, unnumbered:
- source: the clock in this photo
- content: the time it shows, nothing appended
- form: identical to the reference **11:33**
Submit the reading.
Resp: **5:48**
